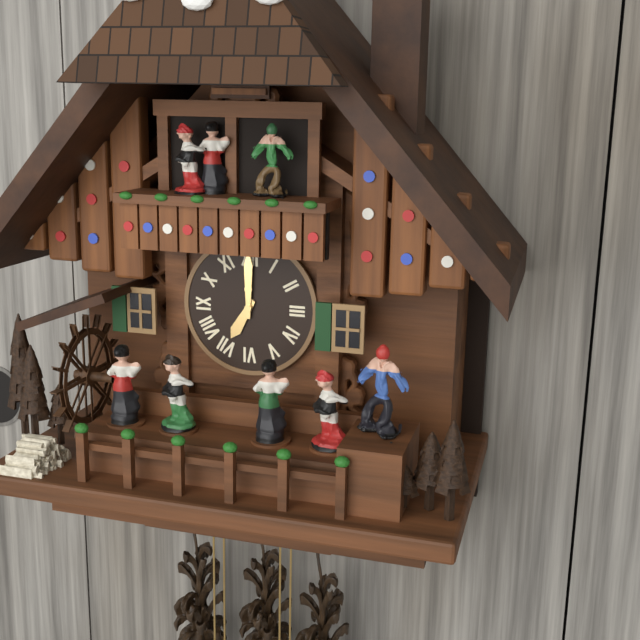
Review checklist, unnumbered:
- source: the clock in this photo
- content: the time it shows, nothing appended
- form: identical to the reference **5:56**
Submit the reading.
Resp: **7:00**
